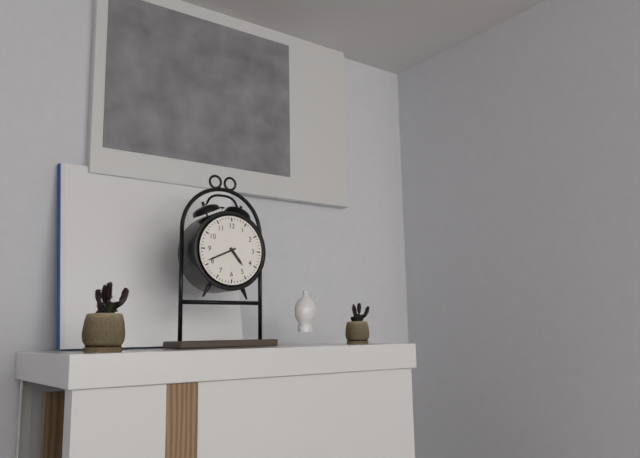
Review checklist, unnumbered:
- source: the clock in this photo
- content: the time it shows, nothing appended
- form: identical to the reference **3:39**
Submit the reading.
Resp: **4:41**
